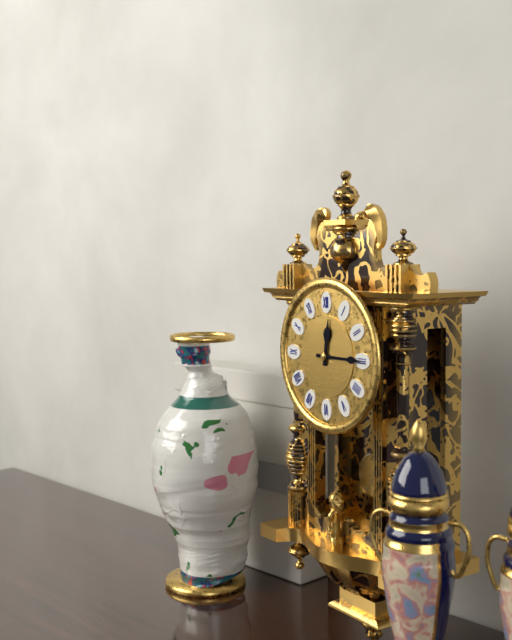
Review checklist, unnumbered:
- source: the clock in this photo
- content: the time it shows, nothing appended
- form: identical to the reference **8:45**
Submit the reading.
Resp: **12:15**
